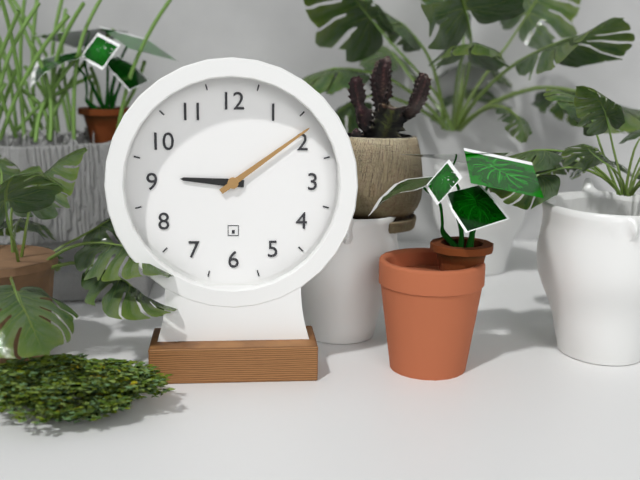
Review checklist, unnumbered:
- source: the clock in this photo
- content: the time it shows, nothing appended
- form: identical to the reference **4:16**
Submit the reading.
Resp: **9:09**
